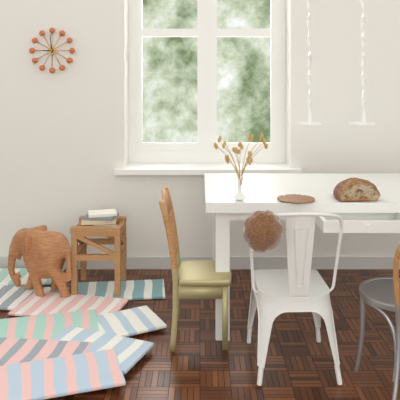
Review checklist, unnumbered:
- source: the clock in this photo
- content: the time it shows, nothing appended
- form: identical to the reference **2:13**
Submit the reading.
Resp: **8:59**
